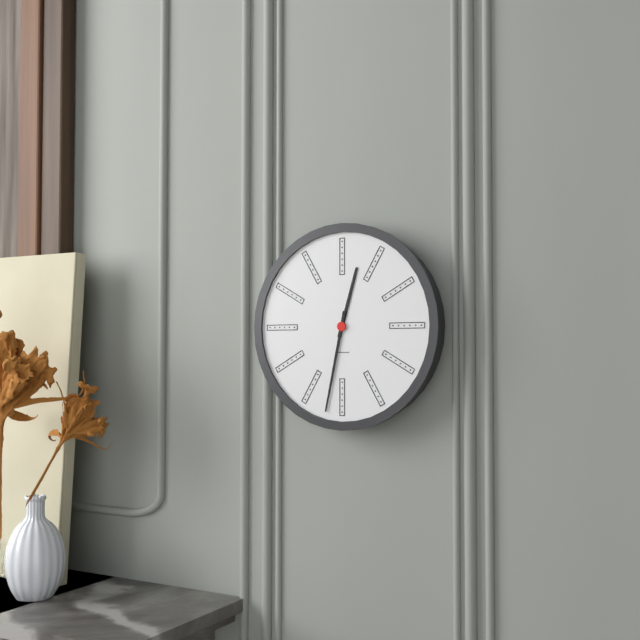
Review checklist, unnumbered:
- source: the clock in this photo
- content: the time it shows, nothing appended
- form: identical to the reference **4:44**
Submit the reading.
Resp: **12:32**
